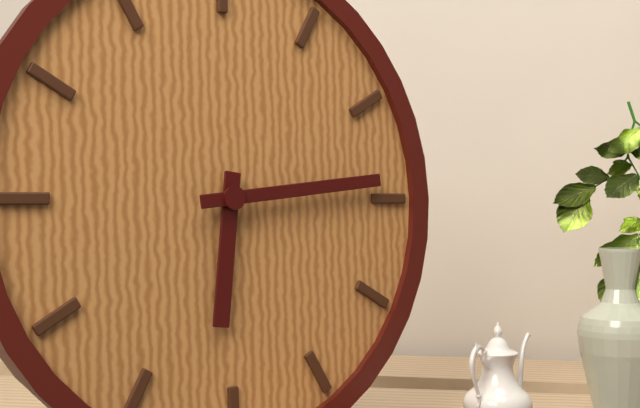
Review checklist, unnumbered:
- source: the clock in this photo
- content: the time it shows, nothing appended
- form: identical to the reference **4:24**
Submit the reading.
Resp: **6:14**
